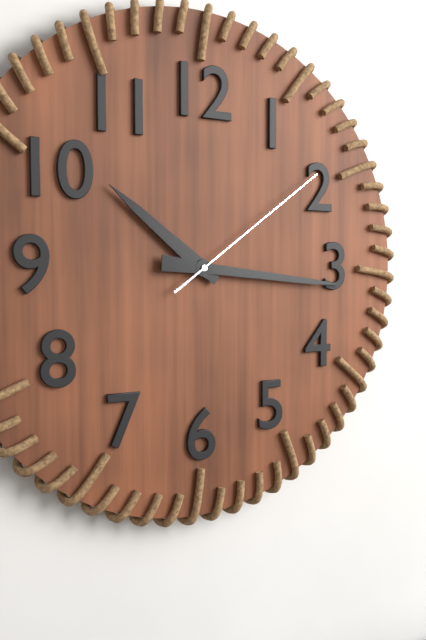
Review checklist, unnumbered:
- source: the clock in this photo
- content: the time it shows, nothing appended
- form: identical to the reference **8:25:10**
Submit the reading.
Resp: **10:16:09**
